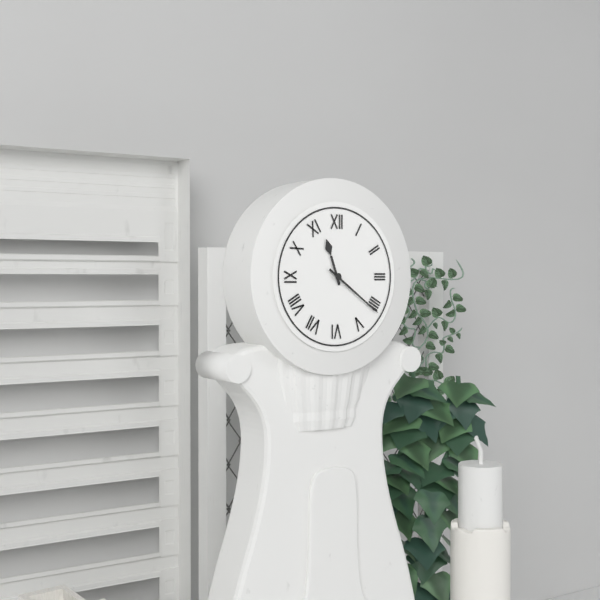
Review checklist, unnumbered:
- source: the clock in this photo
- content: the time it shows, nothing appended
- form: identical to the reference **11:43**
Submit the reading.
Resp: **11:21**
